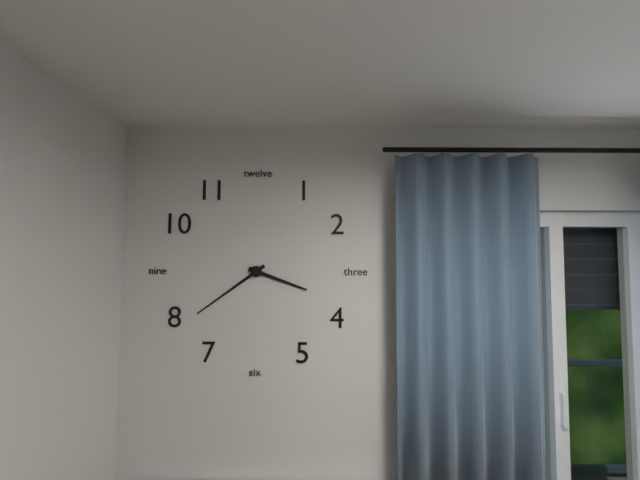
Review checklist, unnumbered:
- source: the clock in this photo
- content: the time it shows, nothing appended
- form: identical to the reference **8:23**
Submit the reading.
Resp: **3:39**
